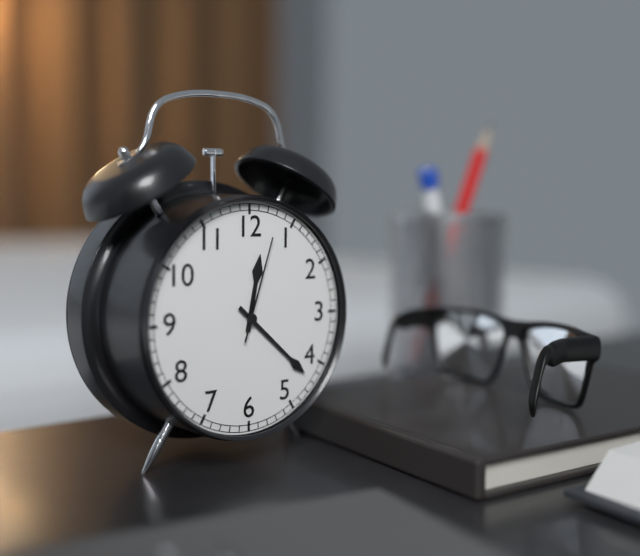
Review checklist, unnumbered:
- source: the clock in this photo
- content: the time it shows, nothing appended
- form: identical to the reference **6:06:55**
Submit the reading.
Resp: **12:22:03**
